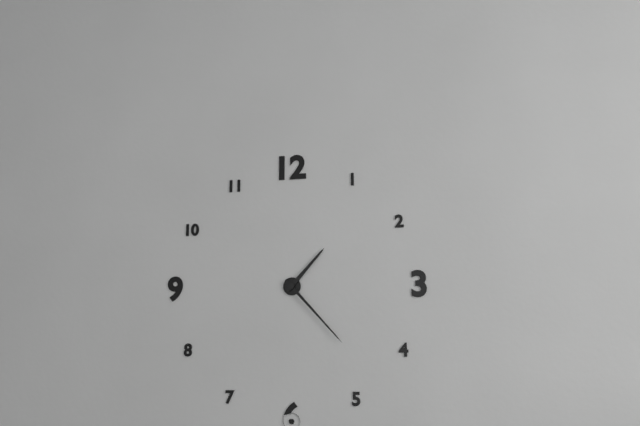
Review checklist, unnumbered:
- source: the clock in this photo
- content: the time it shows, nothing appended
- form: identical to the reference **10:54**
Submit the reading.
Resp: **1:23**
